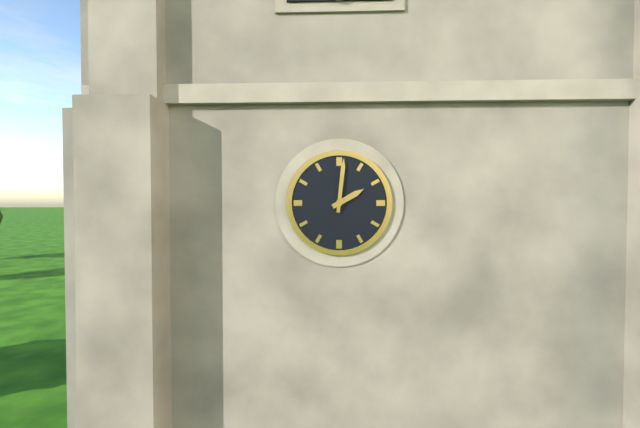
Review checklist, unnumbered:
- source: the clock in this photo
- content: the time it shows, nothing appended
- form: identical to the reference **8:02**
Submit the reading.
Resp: **2:01**
